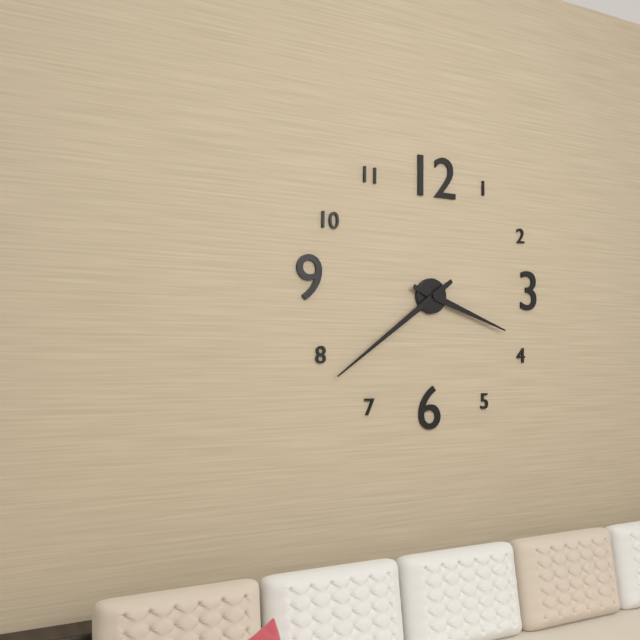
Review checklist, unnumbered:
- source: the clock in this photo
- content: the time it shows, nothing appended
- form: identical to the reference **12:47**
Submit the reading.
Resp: **3:39**
